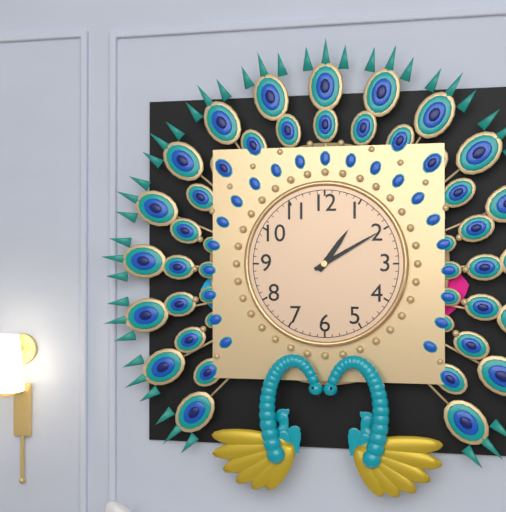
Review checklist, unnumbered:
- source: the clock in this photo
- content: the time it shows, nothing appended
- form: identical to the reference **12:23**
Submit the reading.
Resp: **1:10**
